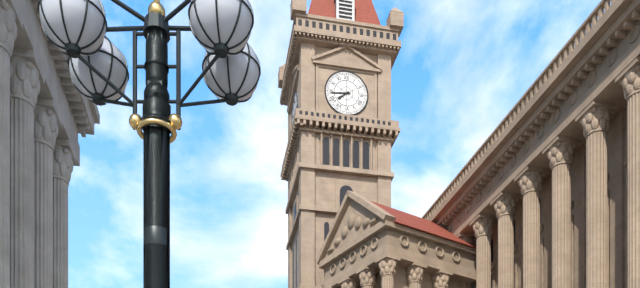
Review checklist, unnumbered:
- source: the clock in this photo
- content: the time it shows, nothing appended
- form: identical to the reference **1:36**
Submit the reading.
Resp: **7:44**
